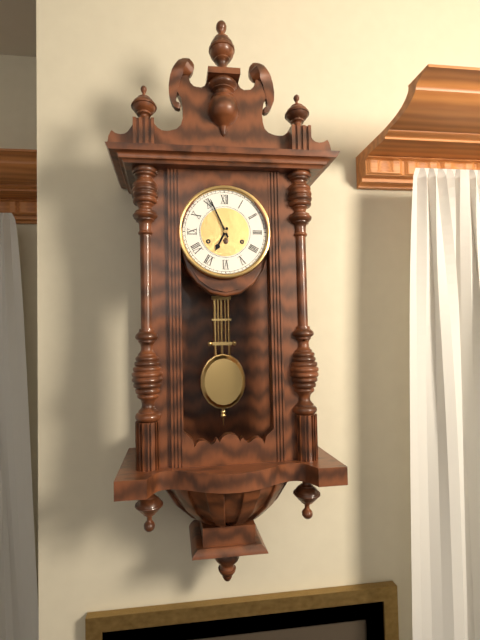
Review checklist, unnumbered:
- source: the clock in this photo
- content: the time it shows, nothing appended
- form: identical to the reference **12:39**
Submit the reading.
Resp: **6:56**
